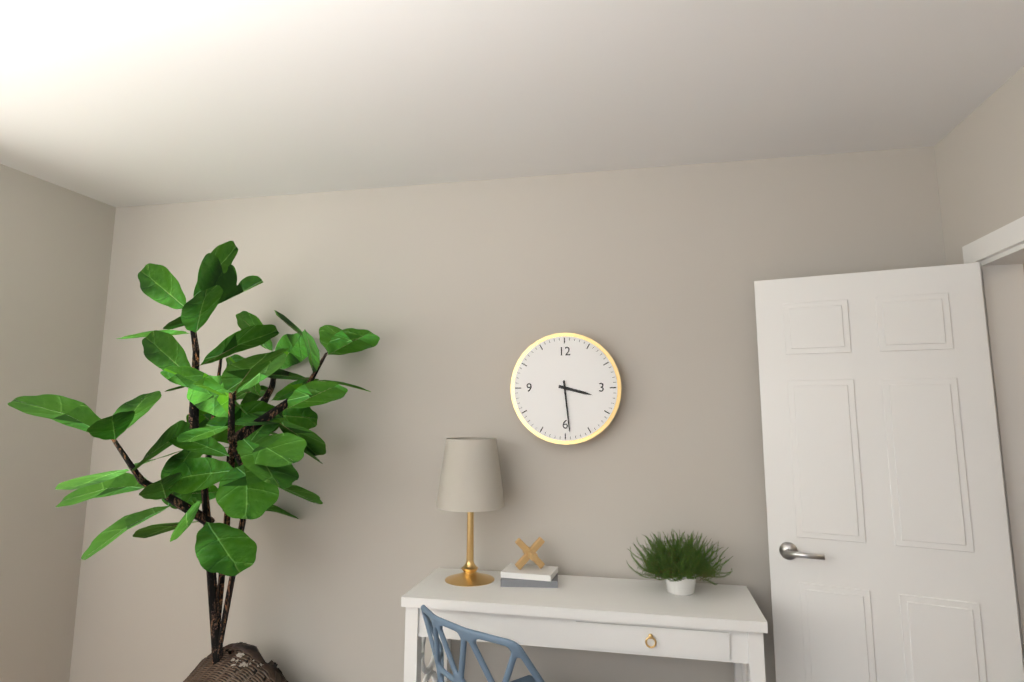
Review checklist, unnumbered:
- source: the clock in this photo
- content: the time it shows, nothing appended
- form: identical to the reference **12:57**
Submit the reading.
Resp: **3:29**
